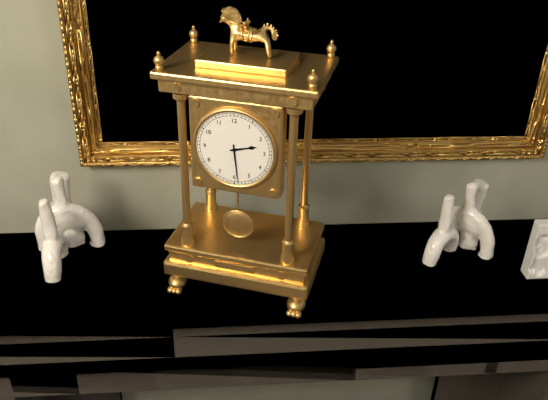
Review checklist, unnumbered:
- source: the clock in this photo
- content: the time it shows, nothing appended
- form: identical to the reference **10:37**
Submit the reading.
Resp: **2:29**
